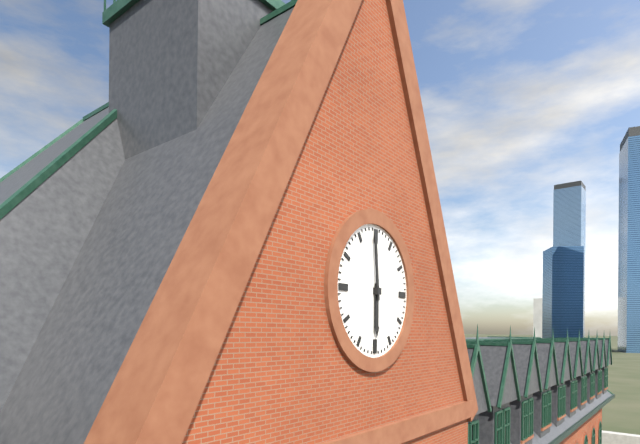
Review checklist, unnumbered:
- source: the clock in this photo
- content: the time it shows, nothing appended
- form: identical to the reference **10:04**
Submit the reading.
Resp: **5:59**
